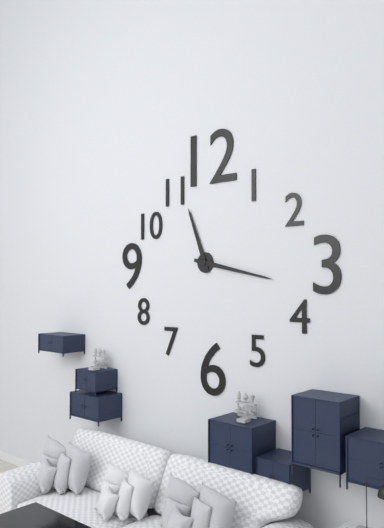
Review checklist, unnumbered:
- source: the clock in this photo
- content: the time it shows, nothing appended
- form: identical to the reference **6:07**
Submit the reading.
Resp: **11:17**
